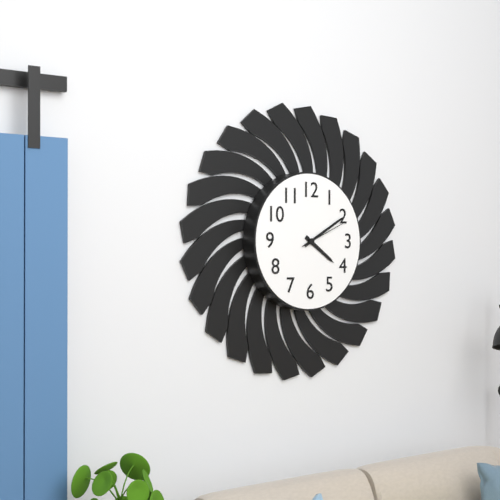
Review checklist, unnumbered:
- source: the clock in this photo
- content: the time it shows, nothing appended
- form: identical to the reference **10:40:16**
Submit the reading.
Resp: **4:10:11**
